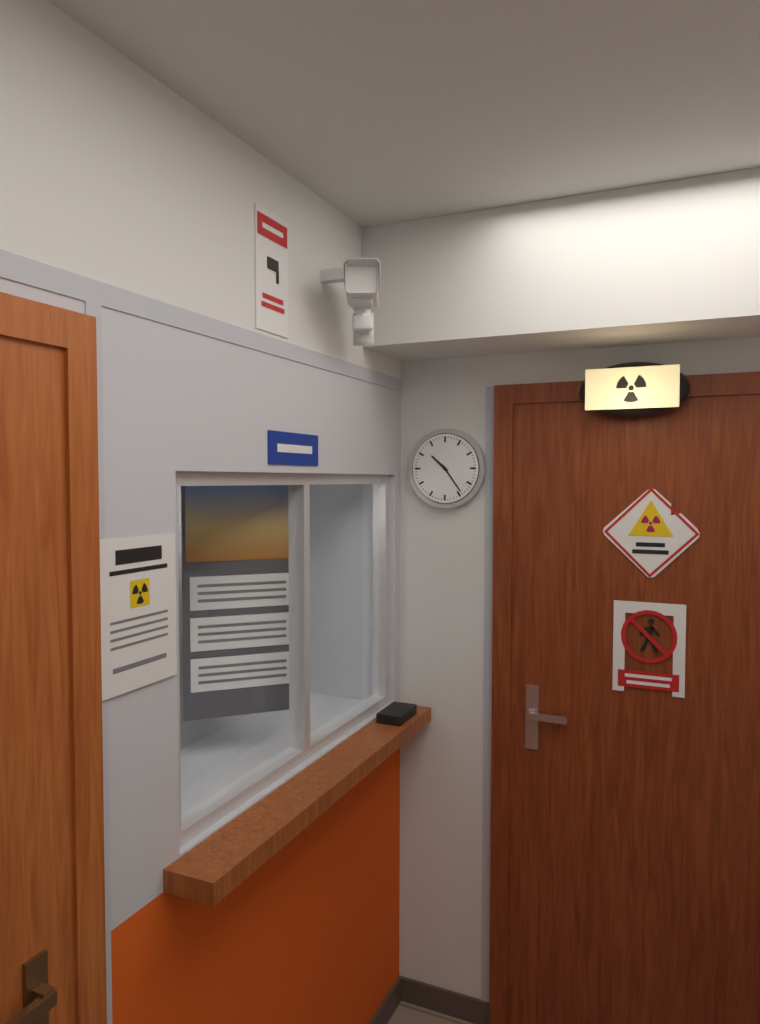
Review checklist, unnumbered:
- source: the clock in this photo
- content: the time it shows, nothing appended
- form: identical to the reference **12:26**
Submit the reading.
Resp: **10:24**
